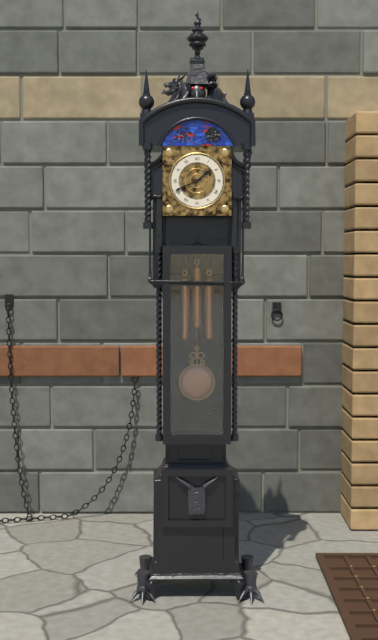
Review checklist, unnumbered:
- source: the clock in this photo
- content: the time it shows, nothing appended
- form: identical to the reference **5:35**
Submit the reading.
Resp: **1:41**
